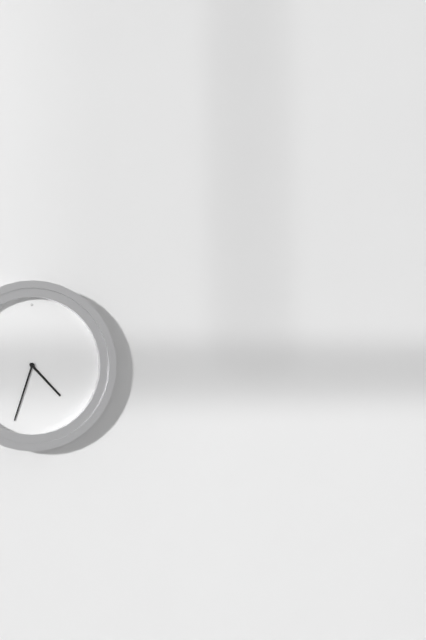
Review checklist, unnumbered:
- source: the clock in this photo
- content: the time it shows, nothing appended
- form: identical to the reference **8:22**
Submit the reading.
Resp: **4:33**
